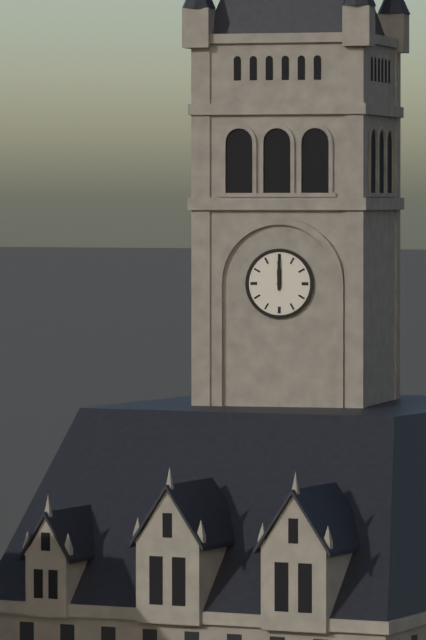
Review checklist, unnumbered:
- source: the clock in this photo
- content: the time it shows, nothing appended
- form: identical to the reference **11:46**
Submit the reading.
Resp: **12:00**
